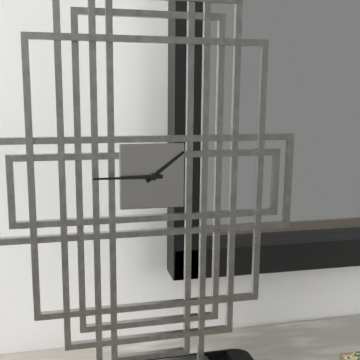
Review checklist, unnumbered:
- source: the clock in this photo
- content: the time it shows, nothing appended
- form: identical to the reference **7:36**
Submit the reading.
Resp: **1:45**
